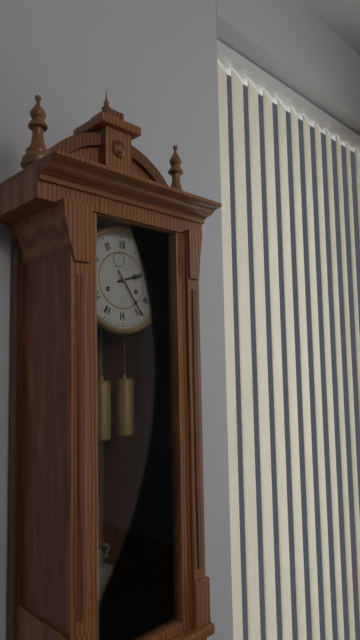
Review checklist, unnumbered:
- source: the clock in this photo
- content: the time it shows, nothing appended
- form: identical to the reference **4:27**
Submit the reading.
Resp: **2:24**
